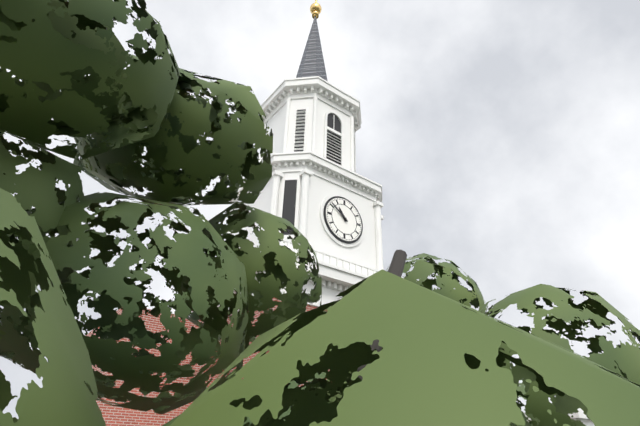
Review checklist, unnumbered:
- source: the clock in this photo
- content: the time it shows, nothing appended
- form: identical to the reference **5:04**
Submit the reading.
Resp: **10:51**
